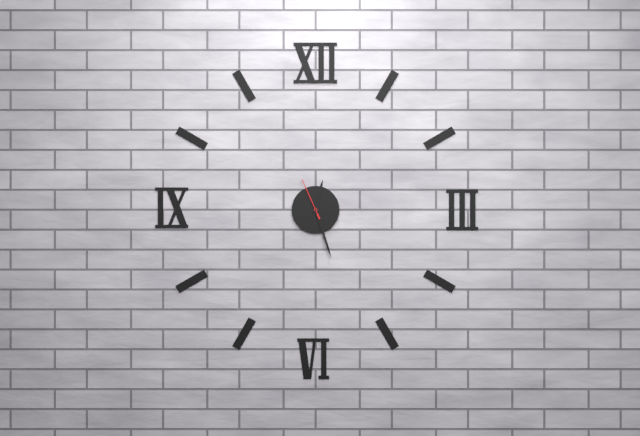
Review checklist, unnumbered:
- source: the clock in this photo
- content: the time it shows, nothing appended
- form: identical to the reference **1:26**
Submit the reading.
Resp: **12:27**
